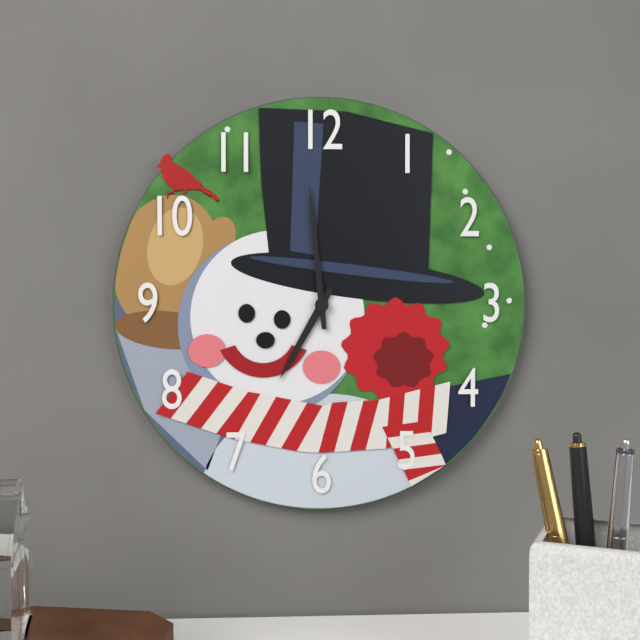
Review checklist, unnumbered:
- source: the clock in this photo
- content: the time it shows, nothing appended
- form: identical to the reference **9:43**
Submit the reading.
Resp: **6:59**
